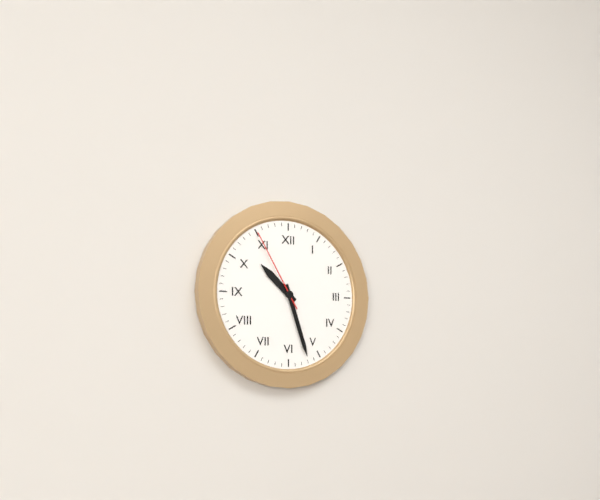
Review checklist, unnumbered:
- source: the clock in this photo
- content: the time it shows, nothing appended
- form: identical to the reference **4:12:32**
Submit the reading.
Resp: **10:27:55**
